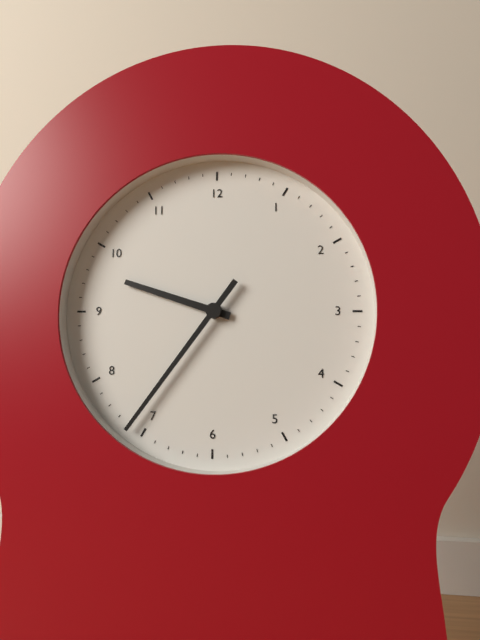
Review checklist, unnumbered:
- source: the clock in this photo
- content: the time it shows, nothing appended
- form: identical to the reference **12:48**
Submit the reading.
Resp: **9:36**
